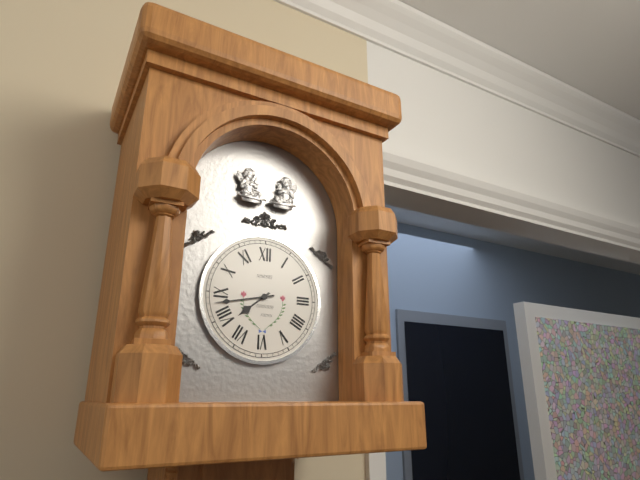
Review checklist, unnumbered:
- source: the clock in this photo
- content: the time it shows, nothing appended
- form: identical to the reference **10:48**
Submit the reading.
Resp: **7:43**
